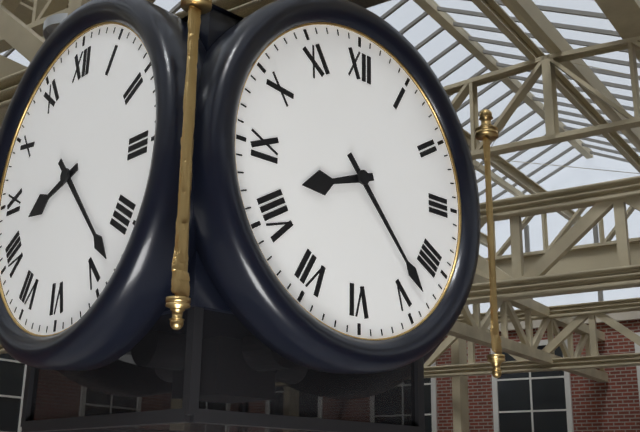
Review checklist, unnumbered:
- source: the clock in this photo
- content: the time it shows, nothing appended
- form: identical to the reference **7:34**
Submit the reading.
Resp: **8:23**
